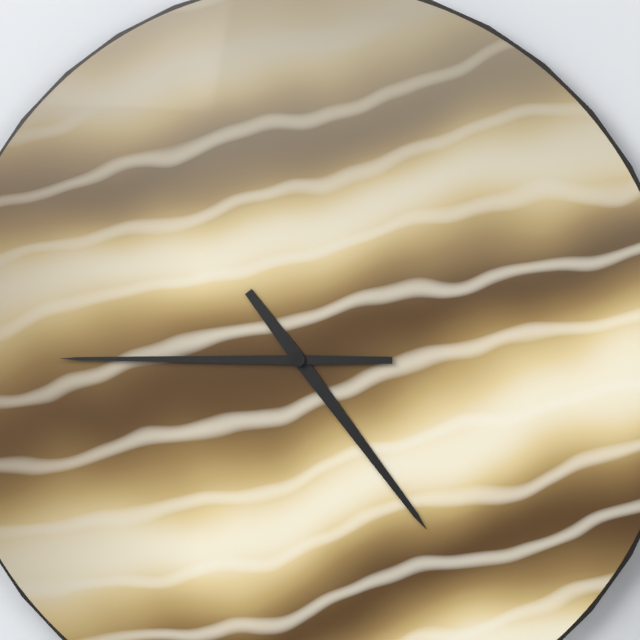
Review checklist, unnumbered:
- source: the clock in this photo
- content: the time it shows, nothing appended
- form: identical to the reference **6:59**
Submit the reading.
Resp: **4:45**
